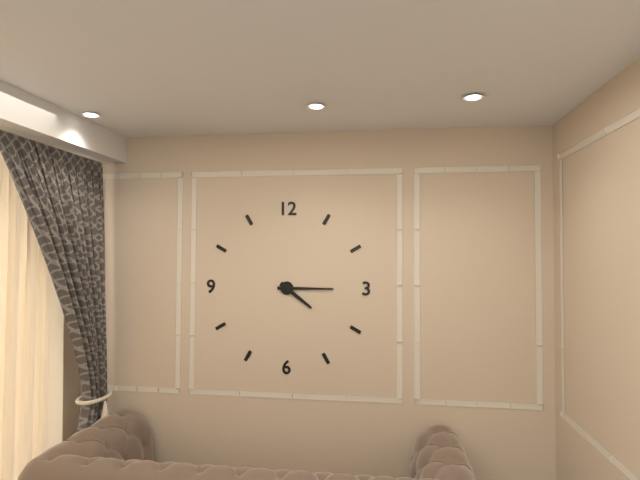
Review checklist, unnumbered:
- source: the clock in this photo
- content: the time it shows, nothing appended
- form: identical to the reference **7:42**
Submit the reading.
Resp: **4:15**
